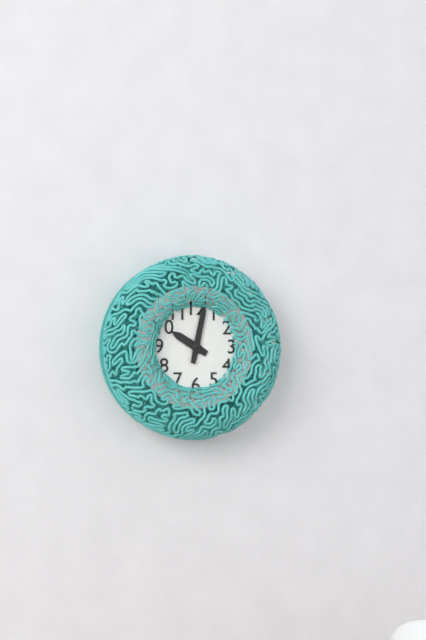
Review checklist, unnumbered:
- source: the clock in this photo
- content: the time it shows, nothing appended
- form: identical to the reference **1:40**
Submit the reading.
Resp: **10:02**
